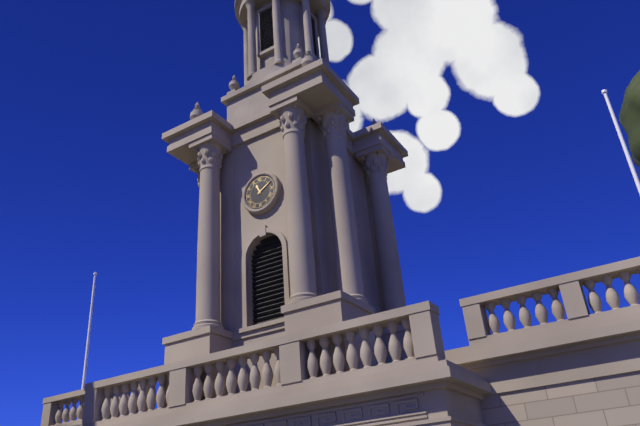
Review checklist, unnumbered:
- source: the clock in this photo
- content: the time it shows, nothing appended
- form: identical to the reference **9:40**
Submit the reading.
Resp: **11:10**
